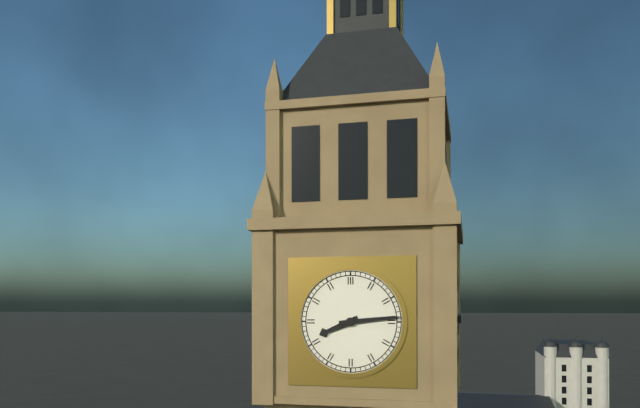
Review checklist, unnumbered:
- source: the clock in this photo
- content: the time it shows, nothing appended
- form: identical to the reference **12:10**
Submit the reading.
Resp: **8:14**
